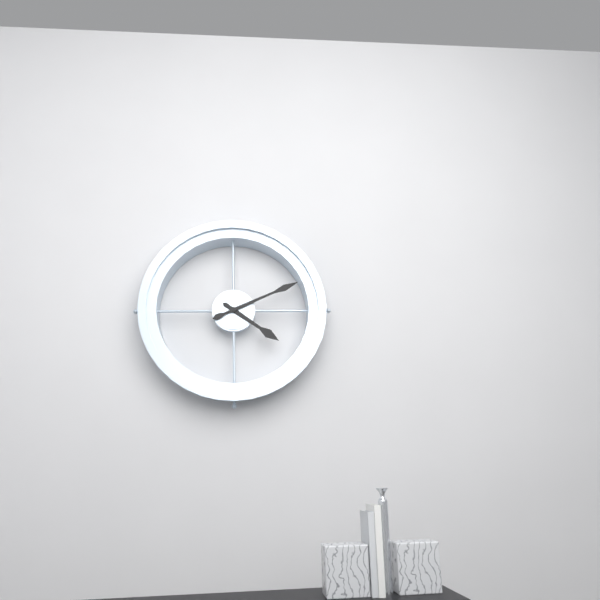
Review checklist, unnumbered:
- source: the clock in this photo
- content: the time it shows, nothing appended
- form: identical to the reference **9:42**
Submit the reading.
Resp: **4:11**
